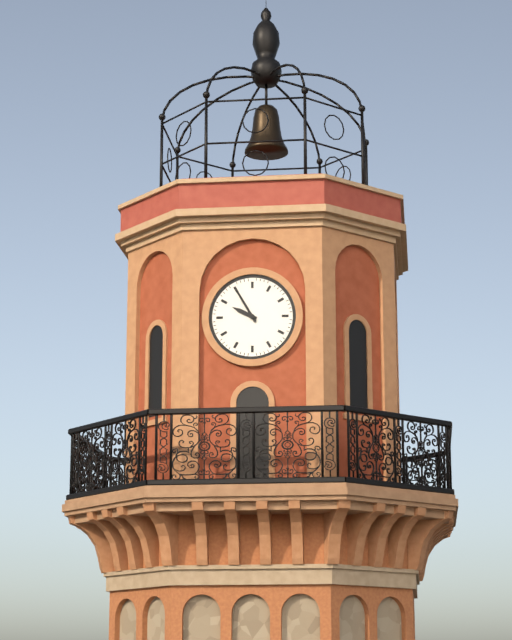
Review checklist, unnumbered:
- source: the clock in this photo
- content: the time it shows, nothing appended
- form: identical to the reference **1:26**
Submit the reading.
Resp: **9:55**
